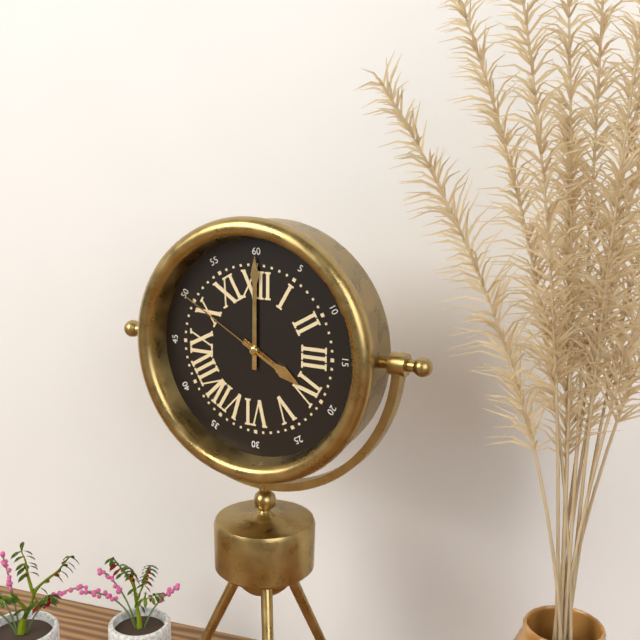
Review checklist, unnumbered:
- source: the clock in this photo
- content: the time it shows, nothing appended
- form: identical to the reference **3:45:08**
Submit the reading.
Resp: **4:00:50**
